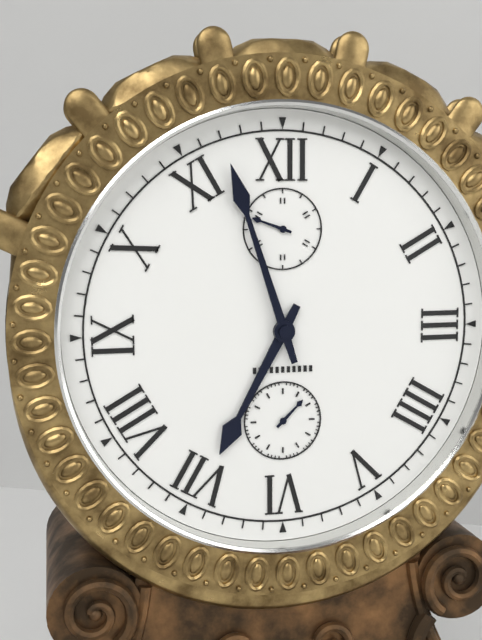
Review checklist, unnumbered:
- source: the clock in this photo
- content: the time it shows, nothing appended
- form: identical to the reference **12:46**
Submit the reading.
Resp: **6:57**
